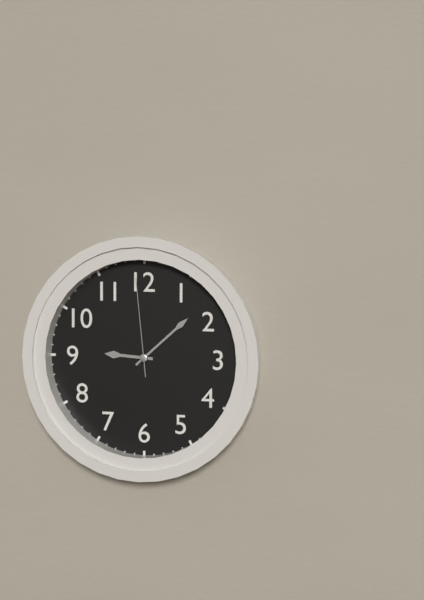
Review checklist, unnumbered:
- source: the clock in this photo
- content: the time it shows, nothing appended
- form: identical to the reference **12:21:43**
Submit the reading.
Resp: **9:08:59**
